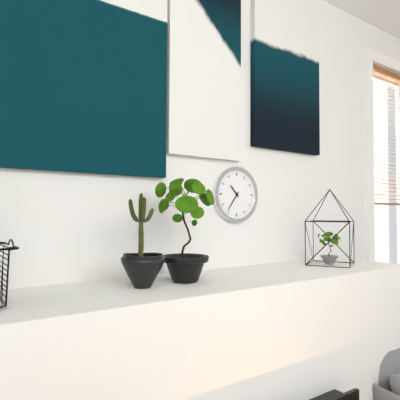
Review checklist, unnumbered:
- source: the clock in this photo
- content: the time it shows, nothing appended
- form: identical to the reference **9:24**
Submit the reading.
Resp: **10:36**
